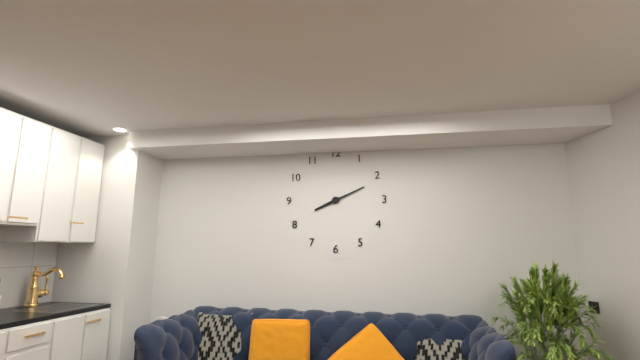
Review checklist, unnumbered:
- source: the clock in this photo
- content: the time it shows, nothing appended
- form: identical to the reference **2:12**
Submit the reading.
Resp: **8:11**
